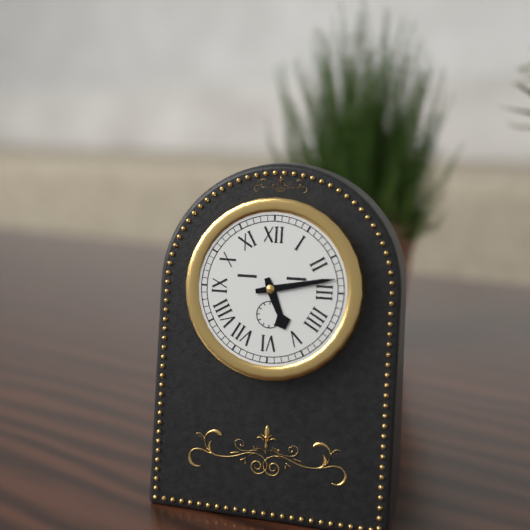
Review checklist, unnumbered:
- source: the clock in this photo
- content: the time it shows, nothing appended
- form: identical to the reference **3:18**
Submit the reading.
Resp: **5:13**
